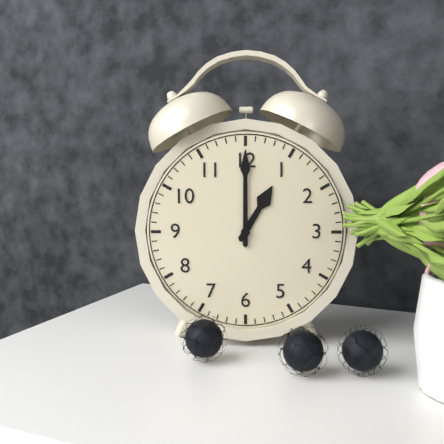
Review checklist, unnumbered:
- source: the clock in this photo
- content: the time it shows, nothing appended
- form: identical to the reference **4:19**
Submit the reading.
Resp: **1:00**
